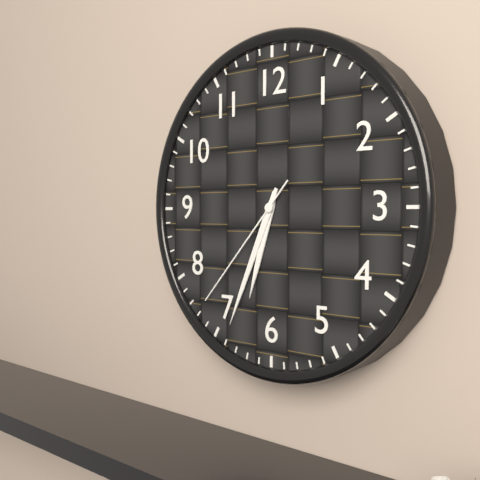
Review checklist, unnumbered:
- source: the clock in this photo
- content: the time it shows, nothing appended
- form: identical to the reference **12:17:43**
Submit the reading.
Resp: **6:34:37**
